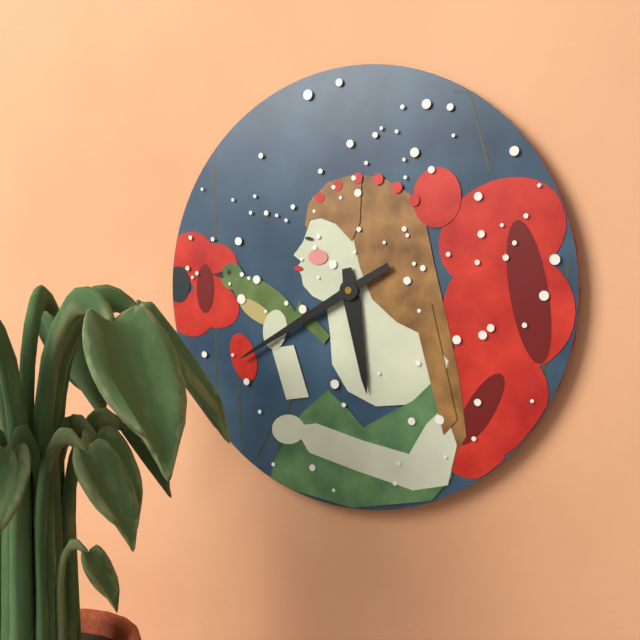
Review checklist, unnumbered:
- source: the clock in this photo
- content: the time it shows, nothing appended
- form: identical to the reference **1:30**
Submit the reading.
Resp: **5:40**
